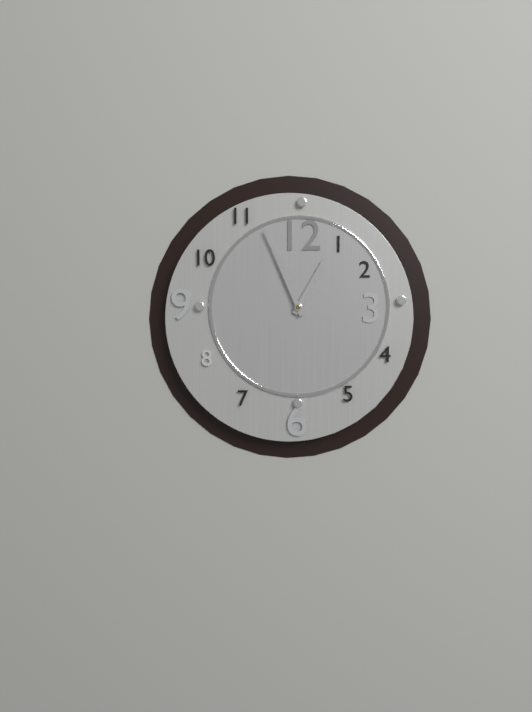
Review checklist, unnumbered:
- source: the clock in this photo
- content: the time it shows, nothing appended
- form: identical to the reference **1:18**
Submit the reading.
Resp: **12:56**
